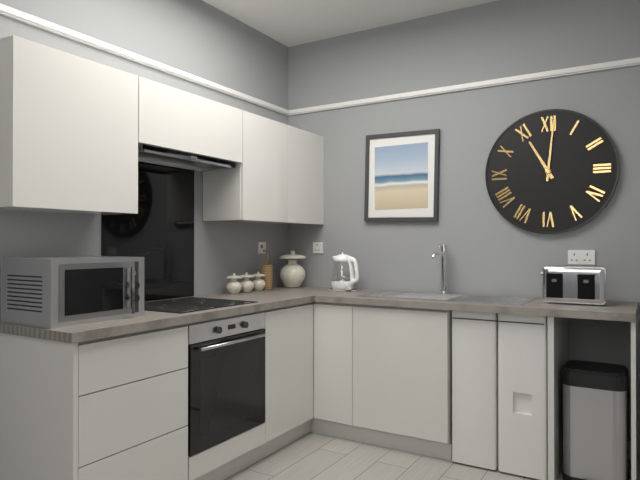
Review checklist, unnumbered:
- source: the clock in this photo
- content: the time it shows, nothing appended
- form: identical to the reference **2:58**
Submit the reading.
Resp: **11:01**
